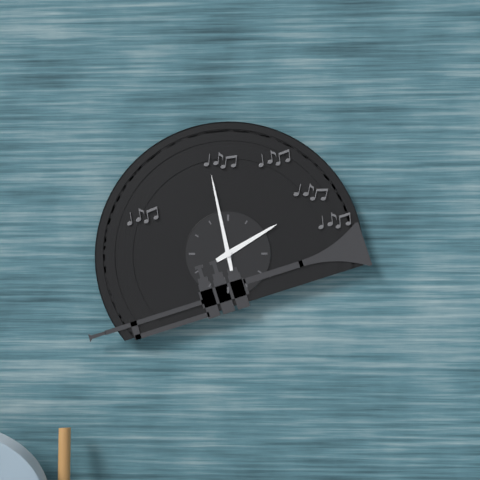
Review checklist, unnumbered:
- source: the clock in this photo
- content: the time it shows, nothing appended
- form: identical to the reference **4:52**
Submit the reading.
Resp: **1:58**
